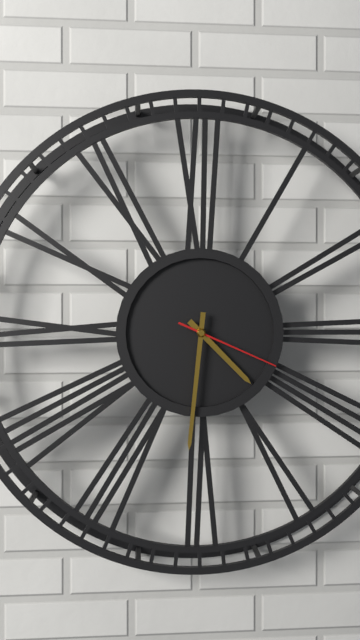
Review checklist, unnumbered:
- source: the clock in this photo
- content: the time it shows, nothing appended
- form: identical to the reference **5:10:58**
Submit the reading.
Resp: **4:31:19**
